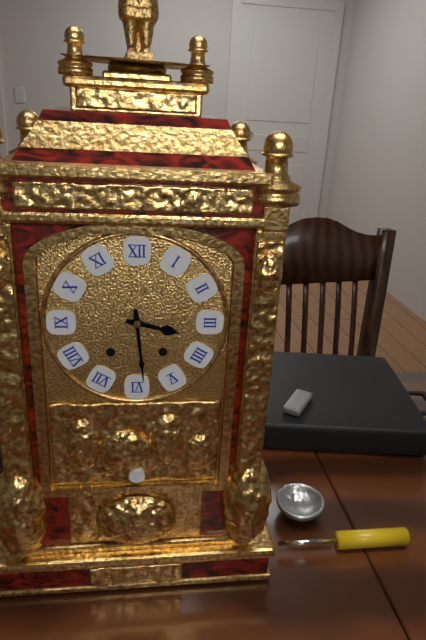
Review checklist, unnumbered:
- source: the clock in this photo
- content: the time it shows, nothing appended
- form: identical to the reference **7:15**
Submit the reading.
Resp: **3:29**
